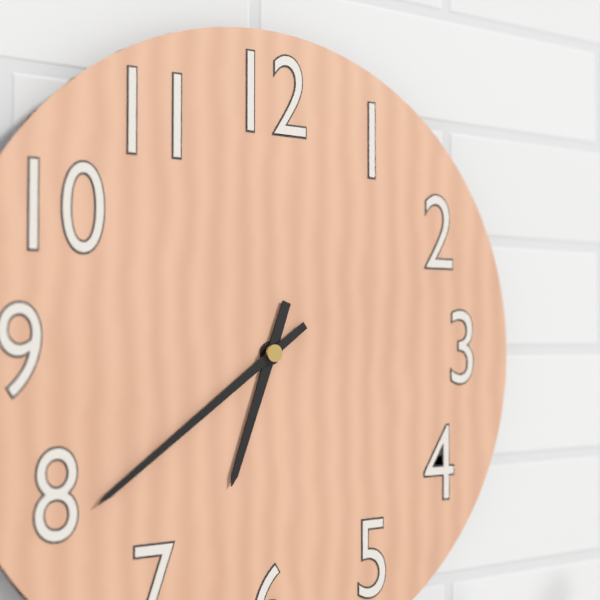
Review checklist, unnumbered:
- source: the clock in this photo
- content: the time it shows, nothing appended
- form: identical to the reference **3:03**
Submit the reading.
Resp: **6:39**
